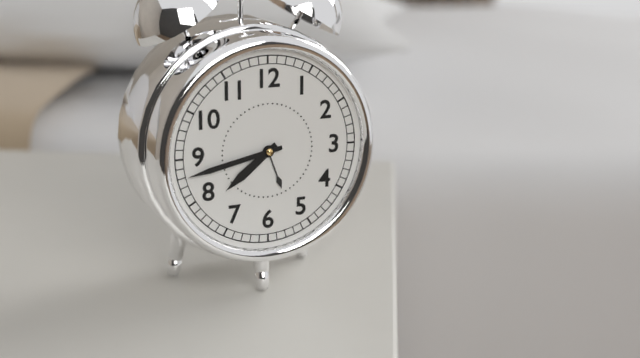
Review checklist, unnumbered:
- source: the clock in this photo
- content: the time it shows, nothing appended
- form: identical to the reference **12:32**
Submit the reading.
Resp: **7:43**
